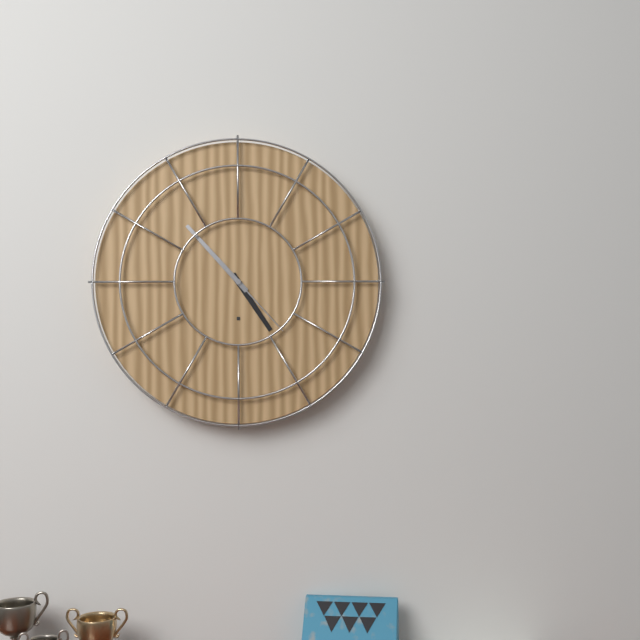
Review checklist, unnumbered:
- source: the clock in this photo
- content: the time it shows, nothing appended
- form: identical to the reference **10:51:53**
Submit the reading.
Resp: **4:53:23**
